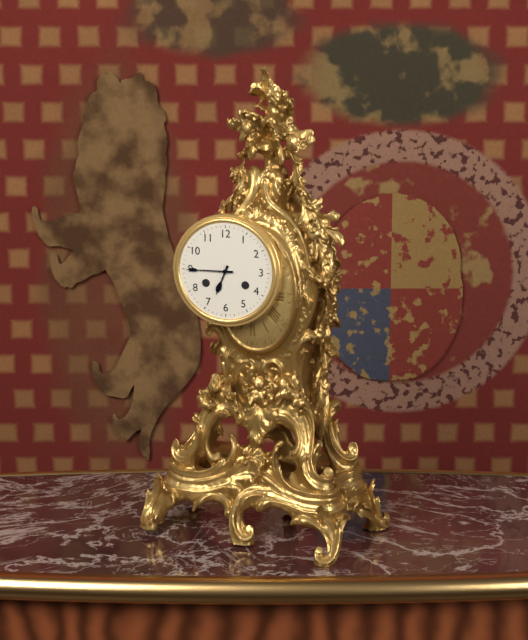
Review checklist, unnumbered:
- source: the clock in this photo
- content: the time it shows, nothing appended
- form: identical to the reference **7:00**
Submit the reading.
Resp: **6:45**
